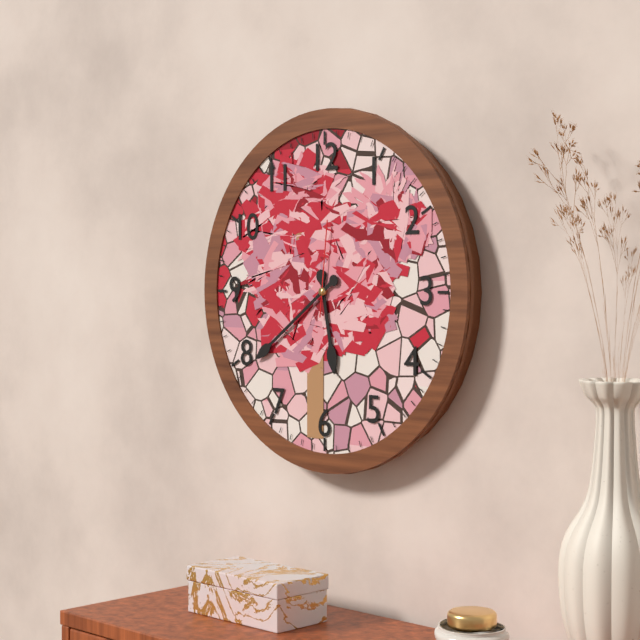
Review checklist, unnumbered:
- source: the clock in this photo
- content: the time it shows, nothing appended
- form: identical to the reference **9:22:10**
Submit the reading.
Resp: **5:39:01**
